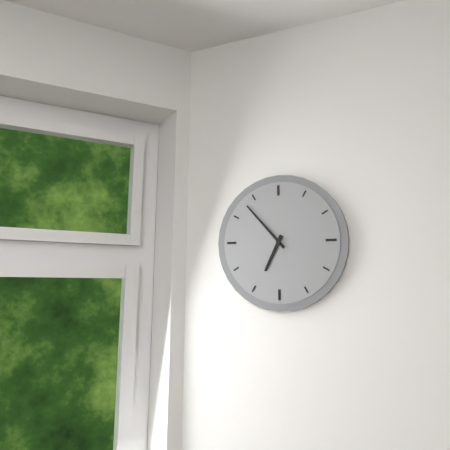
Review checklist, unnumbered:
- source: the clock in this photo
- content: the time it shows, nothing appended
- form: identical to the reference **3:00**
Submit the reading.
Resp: **6:53**
